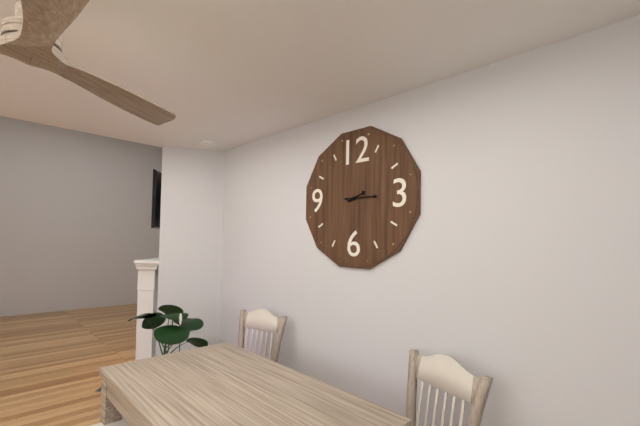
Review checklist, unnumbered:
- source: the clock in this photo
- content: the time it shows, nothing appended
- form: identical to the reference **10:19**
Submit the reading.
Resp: **2:15**
